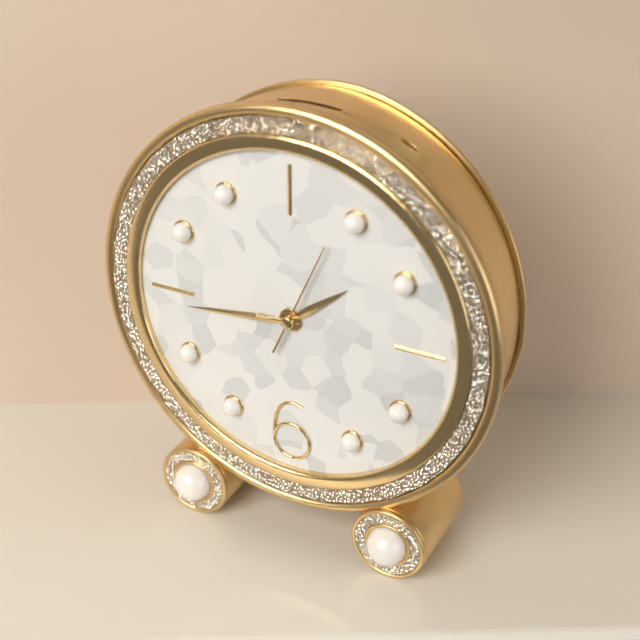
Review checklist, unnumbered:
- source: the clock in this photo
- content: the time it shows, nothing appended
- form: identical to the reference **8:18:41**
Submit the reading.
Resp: **1:44:04**
